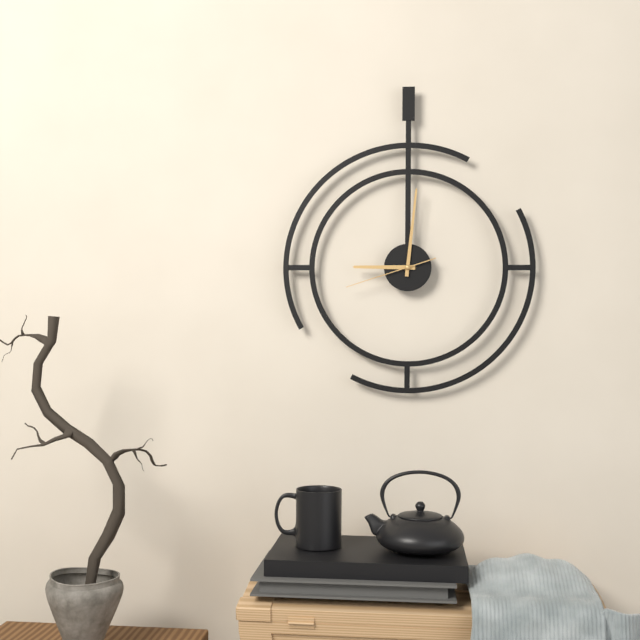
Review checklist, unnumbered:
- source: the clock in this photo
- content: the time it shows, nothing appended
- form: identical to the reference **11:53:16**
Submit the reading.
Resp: **9:01:42**
